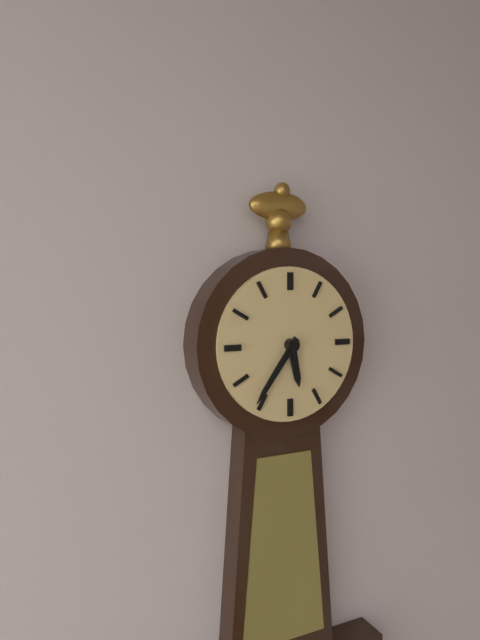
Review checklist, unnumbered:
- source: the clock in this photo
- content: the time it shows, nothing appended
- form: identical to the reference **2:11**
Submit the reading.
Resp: **5:36**
